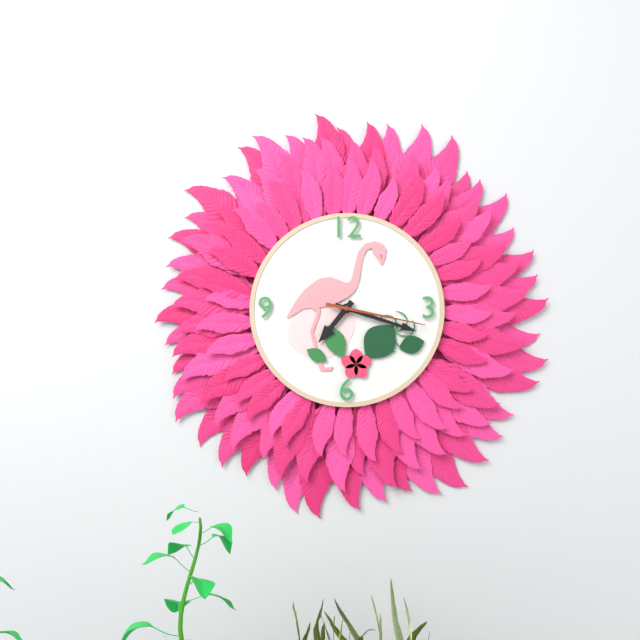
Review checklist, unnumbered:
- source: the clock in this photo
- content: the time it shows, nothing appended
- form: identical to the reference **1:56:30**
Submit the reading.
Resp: **7:18:17**
